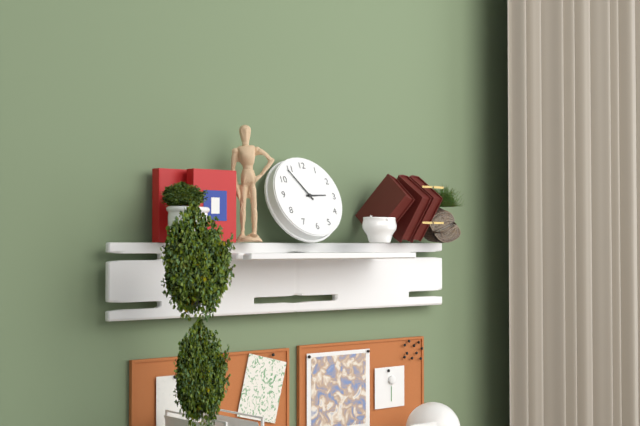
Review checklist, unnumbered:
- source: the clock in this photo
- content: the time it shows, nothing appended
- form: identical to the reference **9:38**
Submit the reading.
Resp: **2:54**
